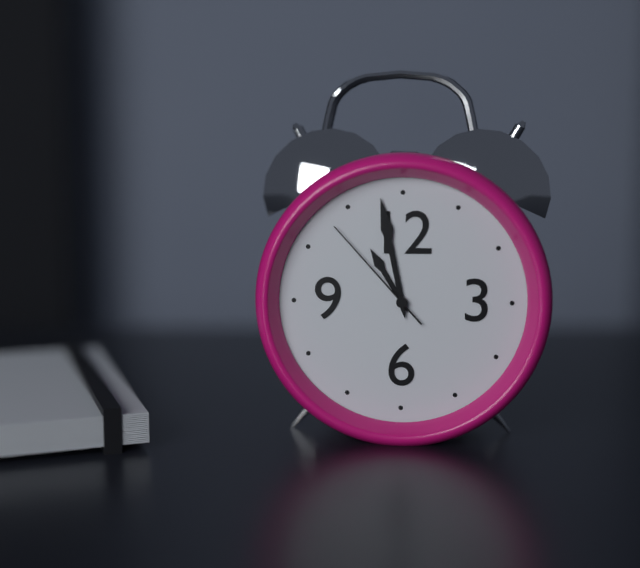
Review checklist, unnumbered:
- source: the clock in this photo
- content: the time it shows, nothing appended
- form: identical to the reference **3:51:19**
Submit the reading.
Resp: **10:58:53**
